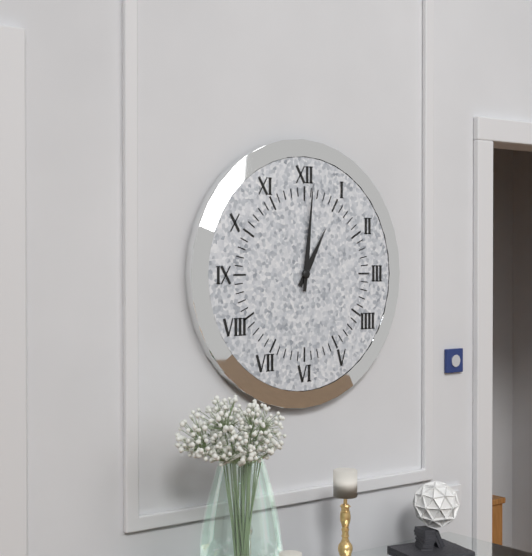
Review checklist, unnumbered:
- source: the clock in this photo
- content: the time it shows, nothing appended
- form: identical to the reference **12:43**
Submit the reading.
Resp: **1:01**
